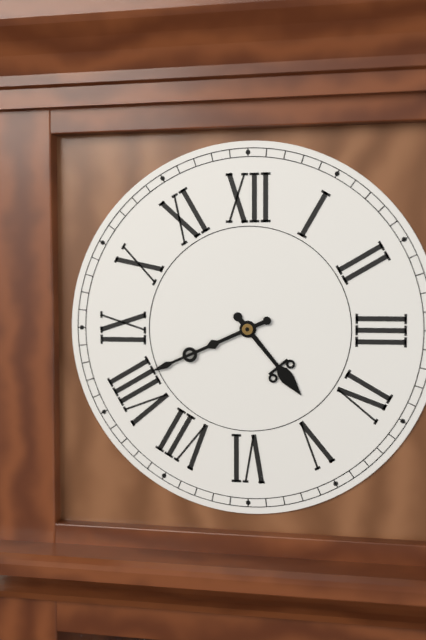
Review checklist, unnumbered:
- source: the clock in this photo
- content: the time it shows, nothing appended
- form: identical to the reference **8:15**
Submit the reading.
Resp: **4:41**
